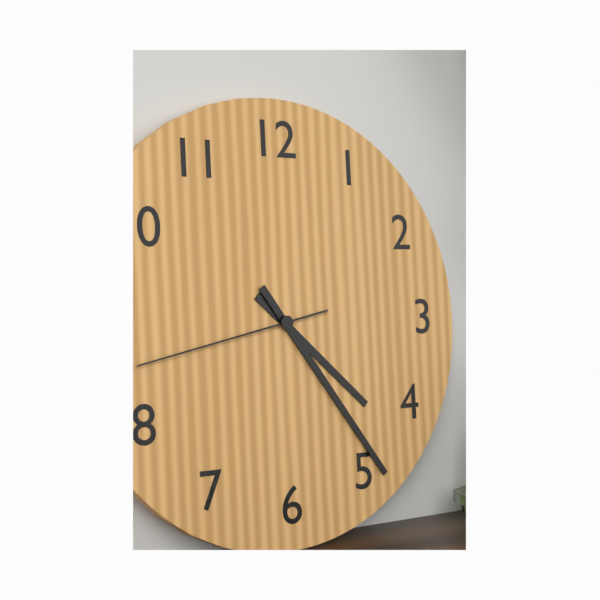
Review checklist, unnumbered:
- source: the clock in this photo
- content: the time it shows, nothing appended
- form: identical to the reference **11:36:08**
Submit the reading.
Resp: **4:24:43**
